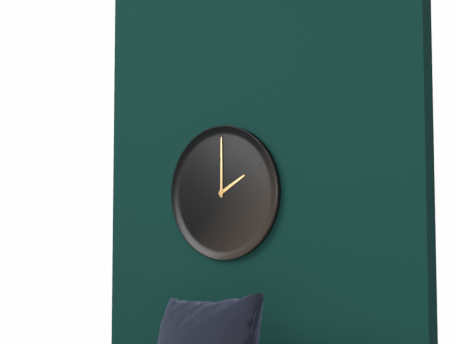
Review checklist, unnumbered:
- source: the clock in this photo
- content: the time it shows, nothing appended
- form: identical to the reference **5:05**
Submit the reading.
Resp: **2:00**
